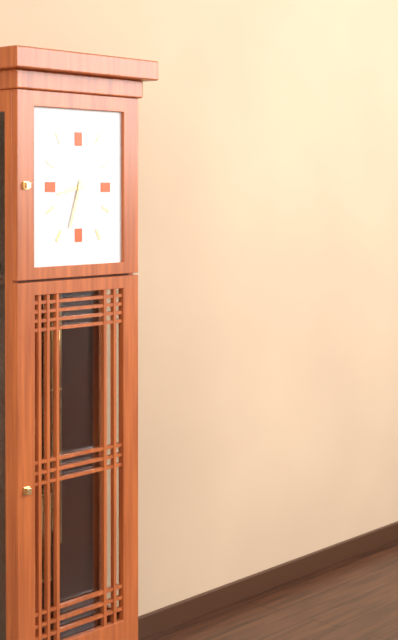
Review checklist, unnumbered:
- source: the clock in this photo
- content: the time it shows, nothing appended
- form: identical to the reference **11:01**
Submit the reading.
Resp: **8:33**
